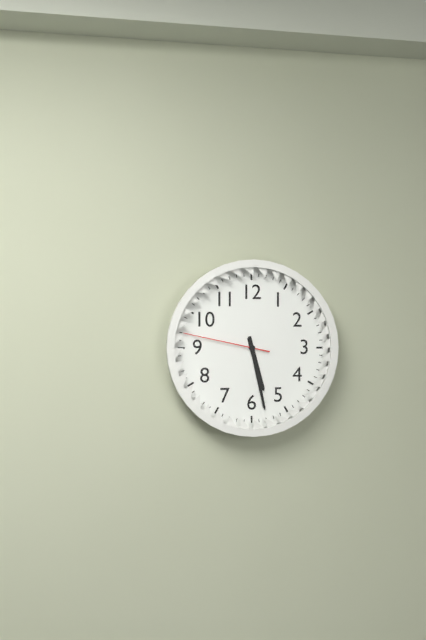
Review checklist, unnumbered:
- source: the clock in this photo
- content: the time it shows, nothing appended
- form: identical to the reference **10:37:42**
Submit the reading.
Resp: **5:28:47**
